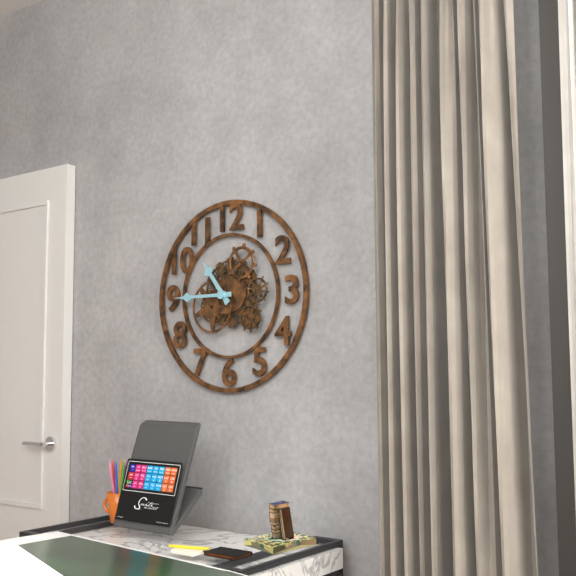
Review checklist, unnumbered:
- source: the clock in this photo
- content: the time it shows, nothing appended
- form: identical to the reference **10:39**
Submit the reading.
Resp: **10:45**
